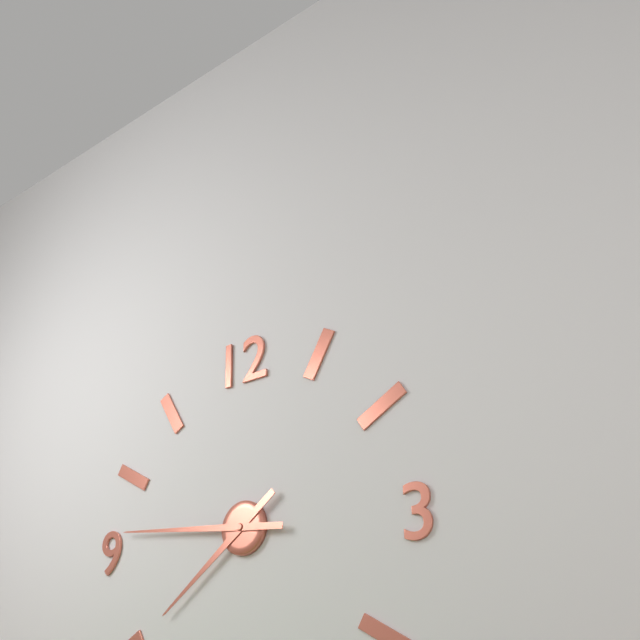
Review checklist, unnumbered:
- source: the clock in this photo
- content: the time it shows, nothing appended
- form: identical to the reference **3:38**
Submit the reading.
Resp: **7:46**
